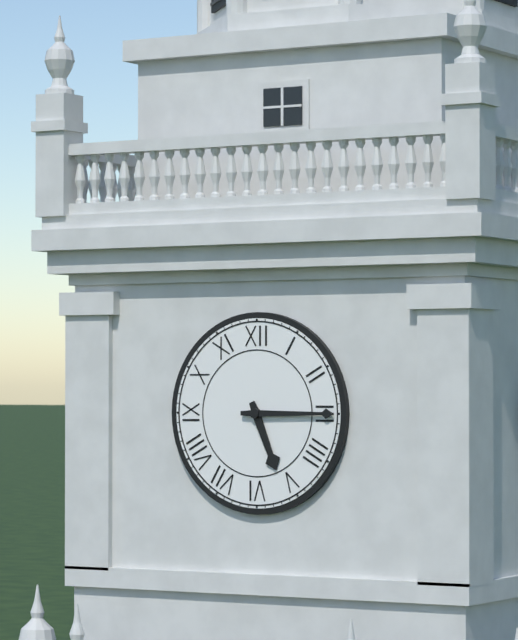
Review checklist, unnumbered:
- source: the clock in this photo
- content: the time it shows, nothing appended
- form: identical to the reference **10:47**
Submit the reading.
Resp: **5:15**
